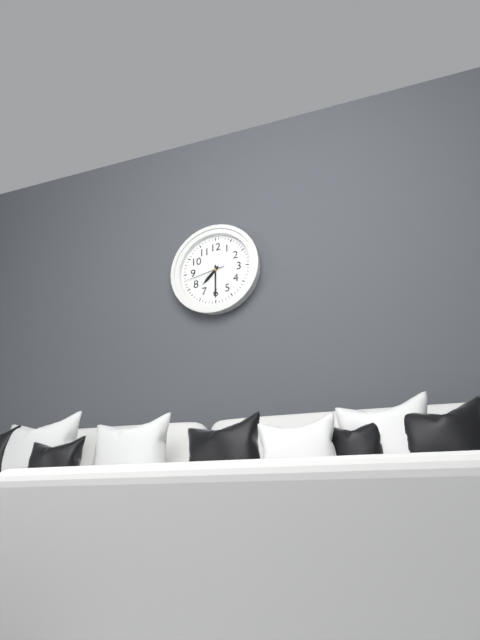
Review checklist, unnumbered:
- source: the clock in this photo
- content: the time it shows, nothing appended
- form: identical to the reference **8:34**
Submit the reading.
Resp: **7:30**
